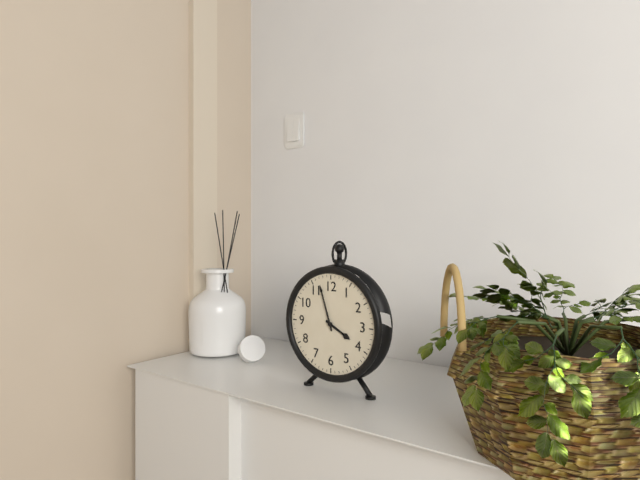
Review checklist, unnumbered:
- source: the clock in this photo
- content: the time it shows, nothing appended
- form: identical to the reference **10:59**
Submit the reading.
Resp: **3:57**
